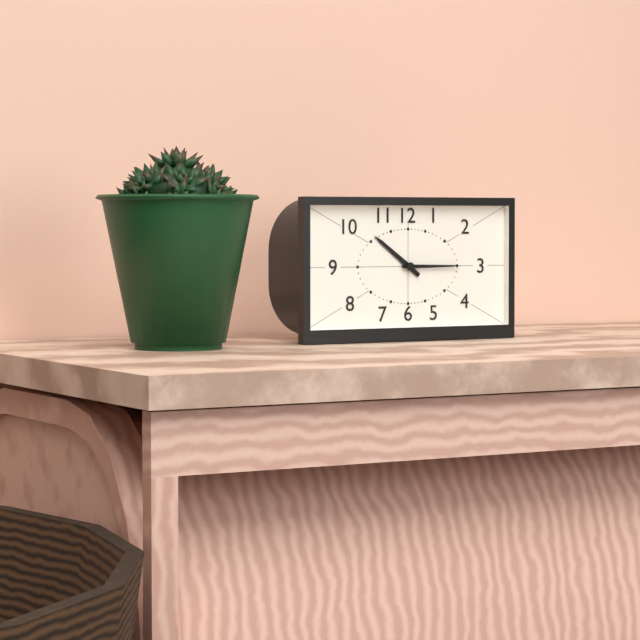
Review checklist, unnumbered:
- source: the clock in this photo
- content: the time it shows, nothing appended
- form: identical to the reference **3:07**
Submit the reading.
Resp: **10:15**
